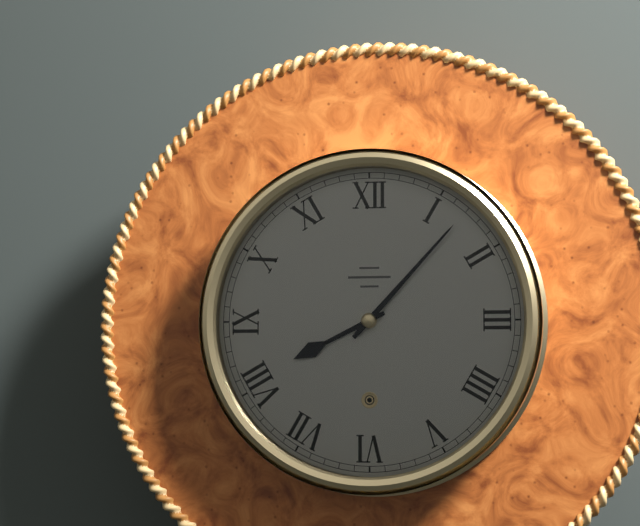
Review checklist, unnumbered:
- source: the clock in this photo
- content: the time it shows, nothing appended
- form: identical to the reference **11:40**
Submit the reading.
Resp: **8:07**
